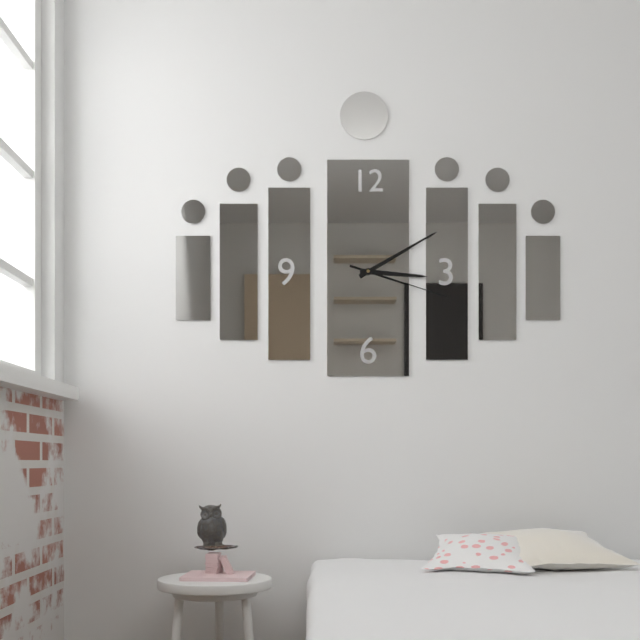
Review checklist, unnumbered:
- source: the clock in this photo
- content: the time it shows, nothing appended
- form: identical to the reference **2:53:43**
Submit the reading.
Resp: **3:10:18**
